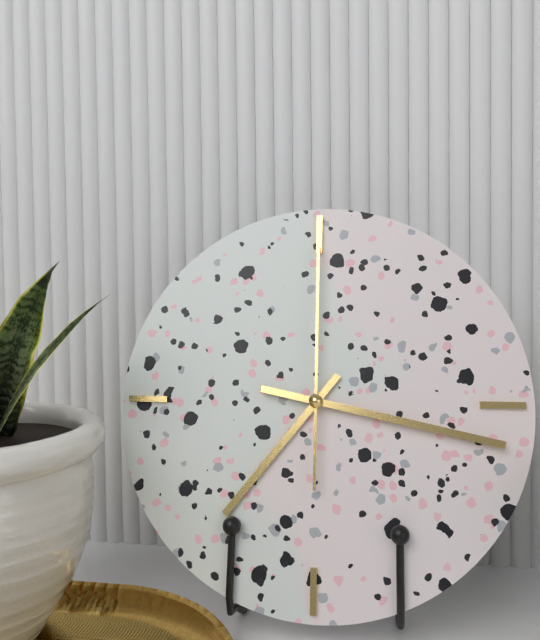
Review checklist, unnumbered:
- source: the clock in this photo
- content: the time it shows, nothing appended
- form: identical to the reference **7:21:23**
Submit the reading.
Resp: **7:17:00**
